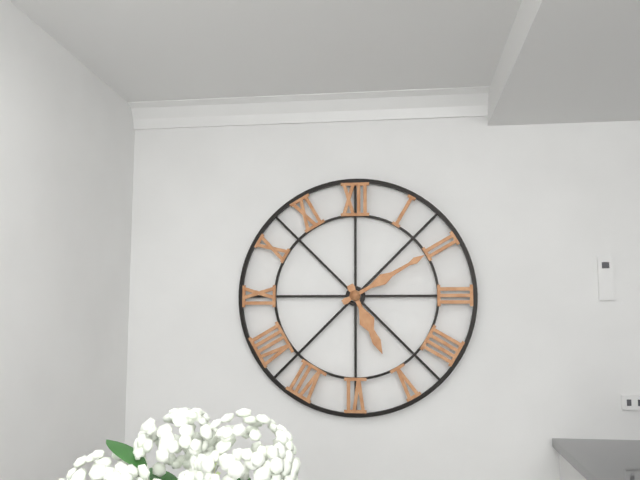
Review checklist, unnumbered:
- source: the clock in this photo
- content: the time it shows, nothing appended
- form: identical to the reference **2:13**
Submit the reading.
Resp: **5:10**
